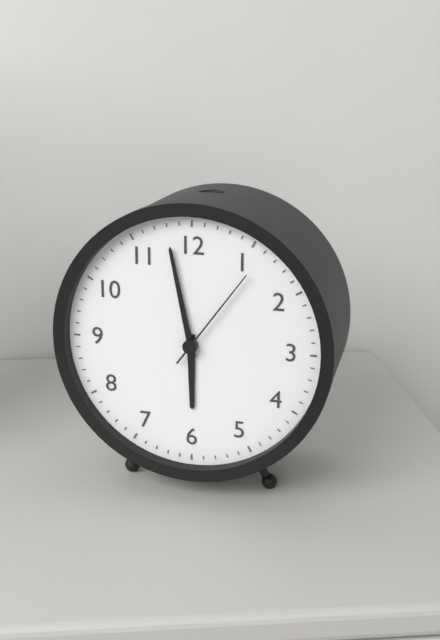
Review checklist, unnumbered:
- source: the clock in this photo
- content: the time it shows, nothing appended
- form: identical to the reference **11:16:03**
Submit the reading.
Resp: **5:58:06**
